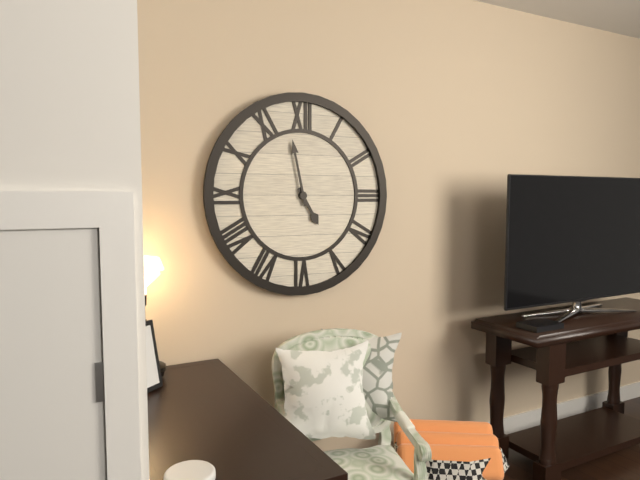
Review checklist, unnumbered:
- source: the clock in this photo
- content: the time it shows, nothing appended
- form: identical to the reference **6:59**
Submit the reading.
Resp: **4:58**
